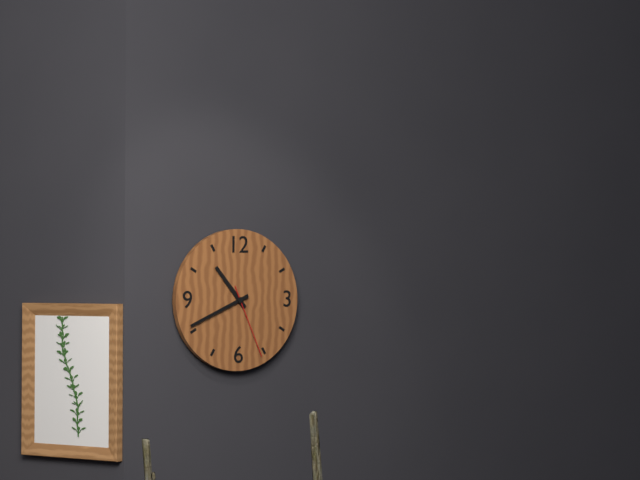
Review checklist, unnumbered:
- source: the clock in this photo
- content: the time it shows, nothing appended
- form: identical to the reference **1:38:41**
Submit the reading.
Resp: **10:41:26**
